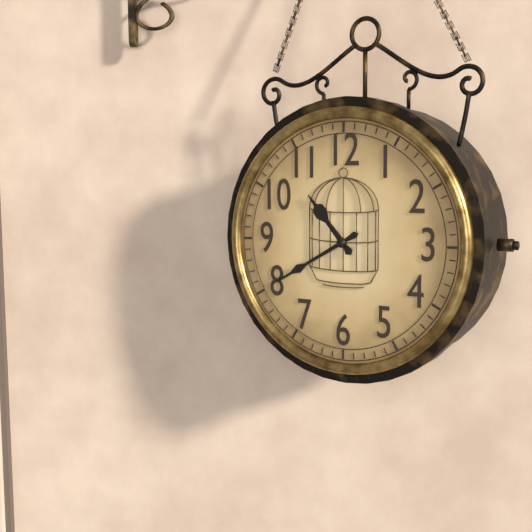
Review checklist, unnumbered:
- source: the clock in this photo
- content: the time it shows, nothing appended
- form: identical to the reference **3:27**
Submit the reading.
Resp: **10:40**
